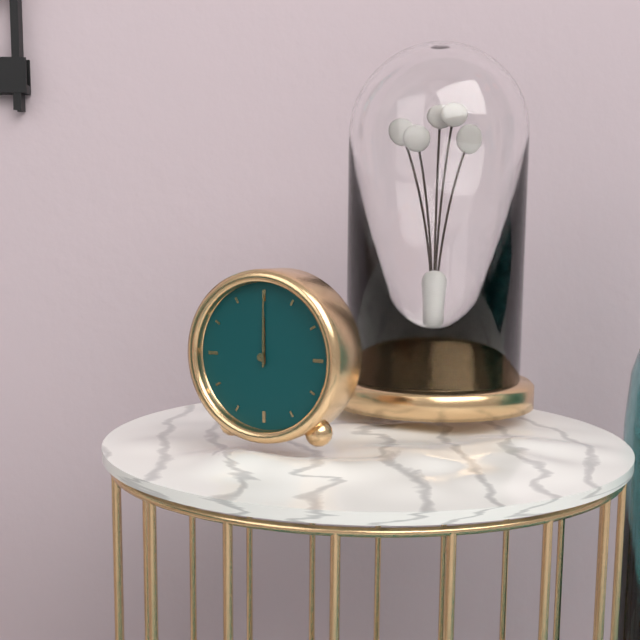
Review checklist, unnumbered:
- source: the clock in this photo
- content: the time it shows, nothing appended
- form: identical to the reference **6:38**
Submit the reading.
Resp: **12:00**
